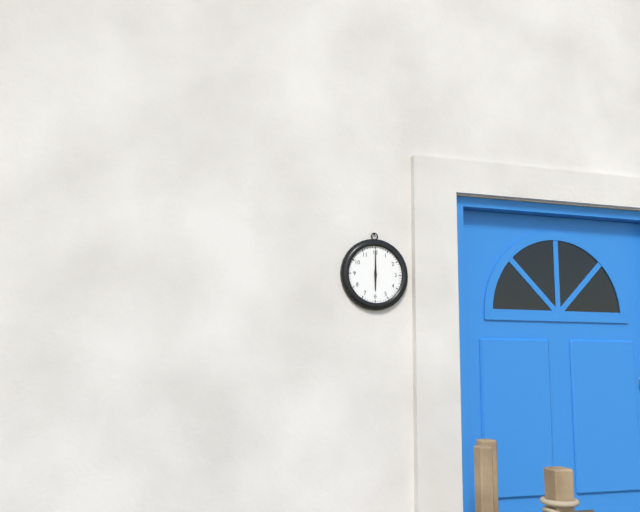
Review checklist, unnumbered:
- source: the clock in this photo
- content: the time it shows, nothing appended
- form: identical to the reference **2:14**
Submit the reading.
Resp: **6:00**
